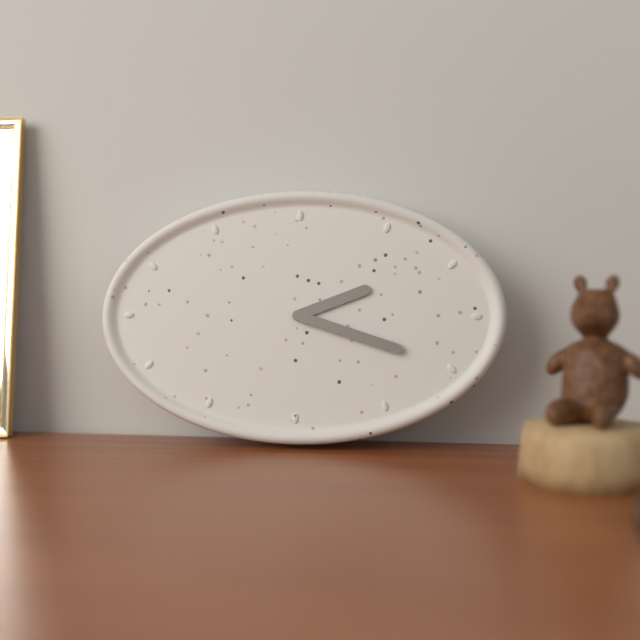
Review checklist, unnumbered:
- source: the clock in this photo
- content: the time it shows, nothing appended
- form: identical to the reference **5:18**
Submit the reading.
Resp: **2:18**
